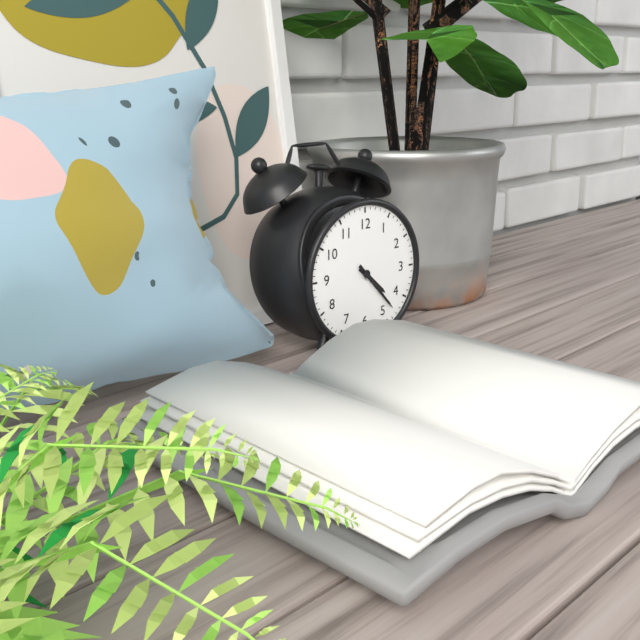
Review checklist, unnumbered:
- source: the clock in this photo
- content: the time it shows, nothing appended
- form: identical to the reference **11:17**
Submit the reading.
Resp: **4:23**
